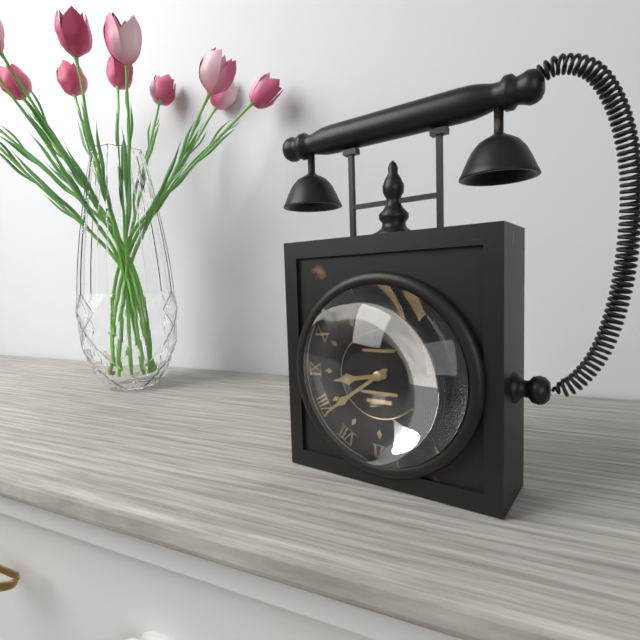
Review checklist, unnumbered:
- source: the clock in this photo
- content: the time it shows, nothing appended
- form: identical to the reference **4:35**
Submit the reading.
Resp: **8:39**
